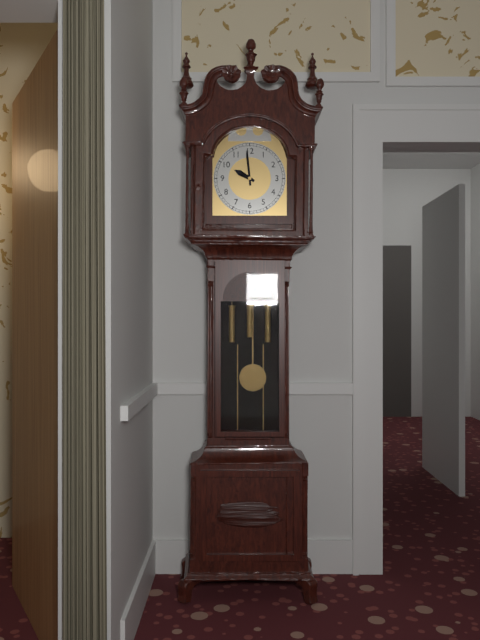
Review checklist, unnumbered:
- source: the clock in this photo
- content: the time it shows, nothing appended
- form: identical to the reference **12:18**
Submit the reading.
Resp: **9:59**
